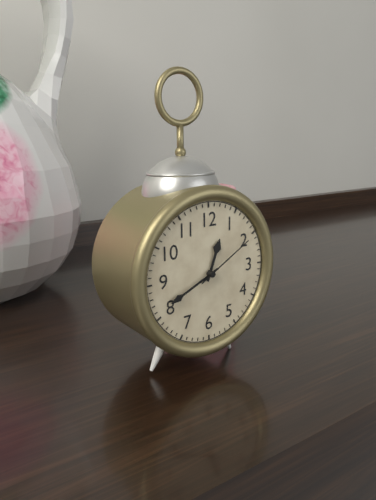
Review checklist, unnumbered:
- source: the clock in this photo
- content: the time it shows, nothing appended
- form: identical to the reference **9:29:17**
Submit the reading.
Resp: **12:41:10**
